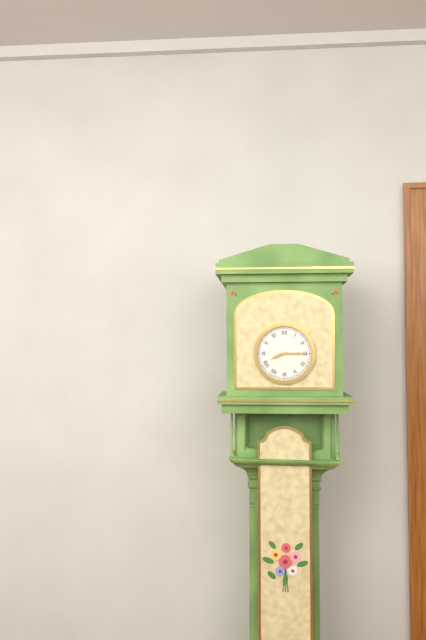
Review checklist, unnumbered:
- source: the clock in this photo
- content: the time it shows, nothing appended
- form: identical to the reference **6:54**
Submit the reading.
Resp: **8:15**
